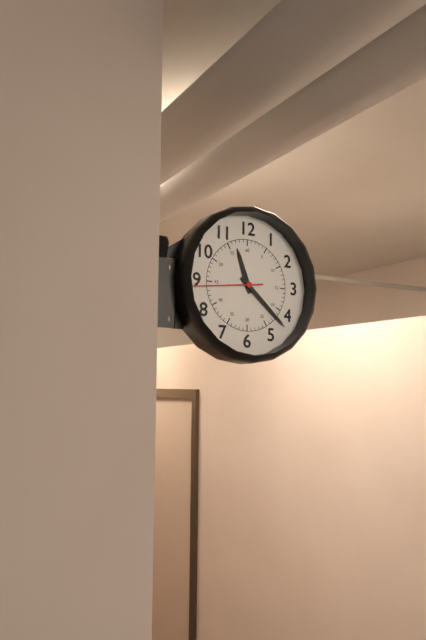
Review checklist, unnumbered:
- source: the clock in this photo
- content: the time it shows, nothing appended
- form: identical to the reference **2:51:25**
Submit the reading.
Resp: **11:22:44**
